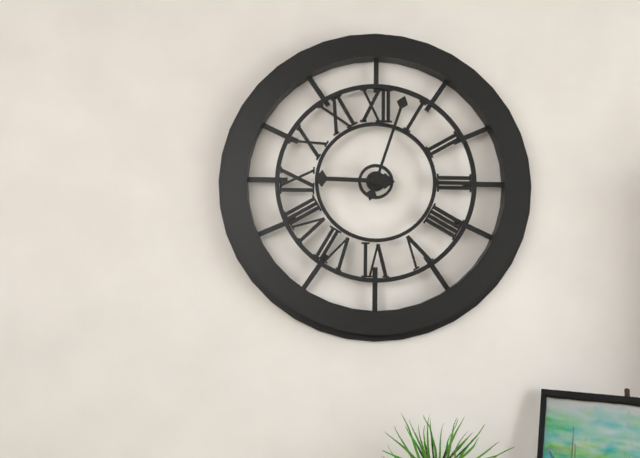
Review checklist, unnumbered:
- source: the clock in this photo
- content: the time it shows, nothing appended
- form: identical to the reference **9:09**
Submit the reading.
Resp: **9:03**
